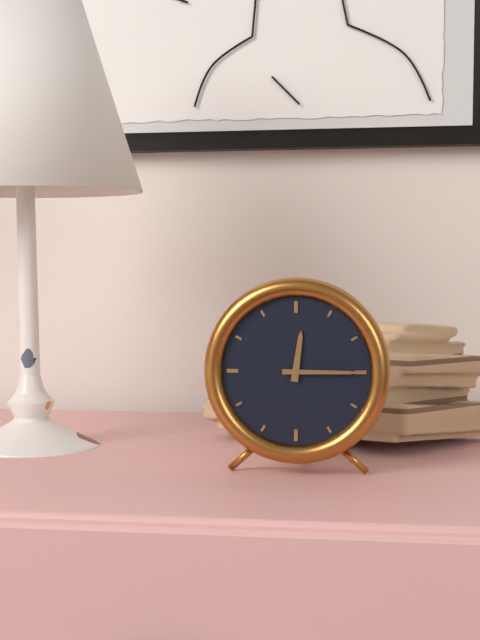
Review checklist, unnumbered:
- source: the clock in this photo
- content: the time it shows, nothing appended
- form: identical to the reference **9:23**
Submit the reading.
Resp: **12:15**
